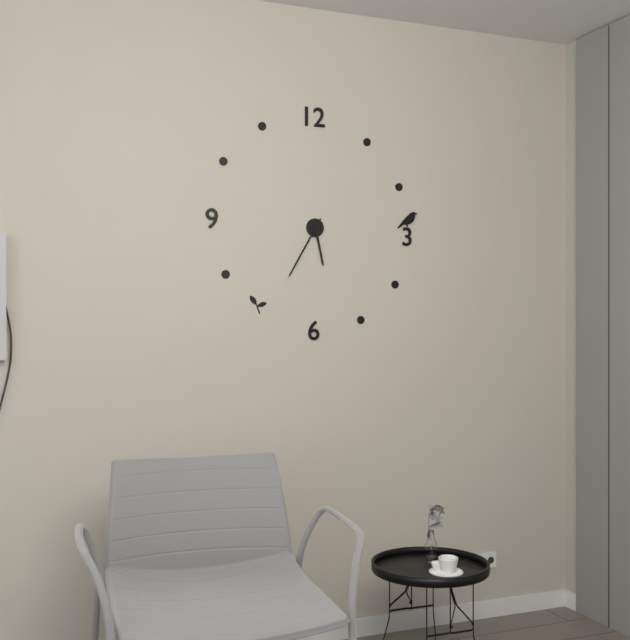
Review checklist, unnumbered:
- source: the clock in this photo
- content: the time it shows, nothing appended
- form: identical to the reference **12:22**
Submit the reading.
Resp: **5:35**
